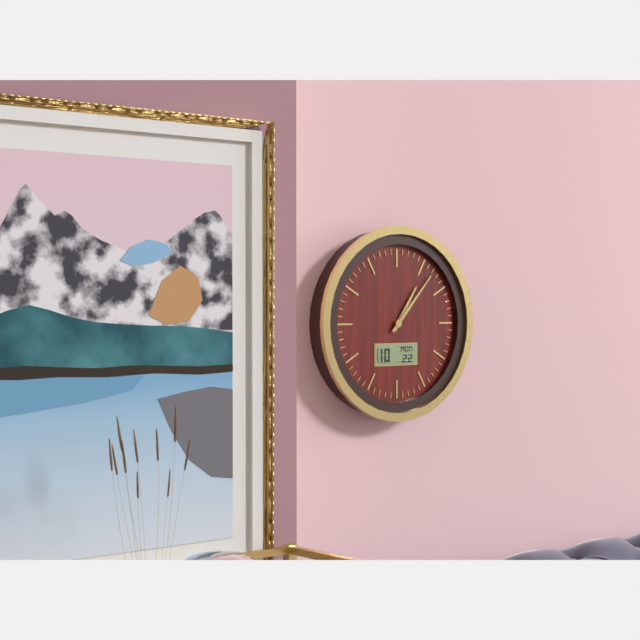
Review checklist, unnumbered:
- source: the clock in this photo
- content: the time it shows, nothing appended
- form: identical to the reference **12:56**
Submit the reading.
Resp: **1:07**
